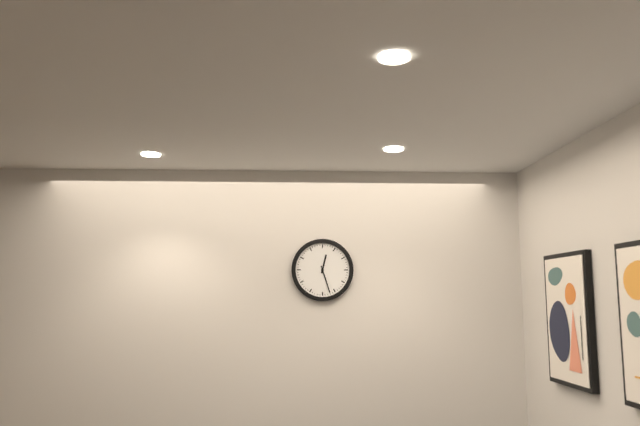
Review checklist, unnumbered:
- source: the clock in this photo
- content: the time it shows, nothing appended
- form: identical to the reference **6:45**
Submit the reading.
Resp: **12:27**
